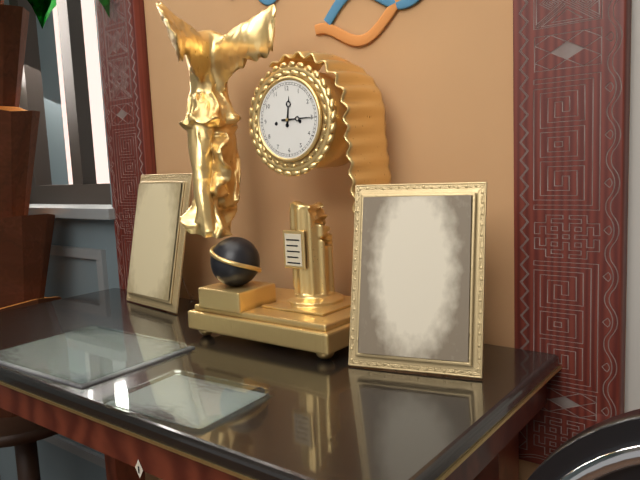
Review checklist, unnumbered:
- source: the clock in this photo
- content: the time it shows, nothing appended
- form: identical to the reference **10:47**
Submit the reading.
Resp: **12:15**
